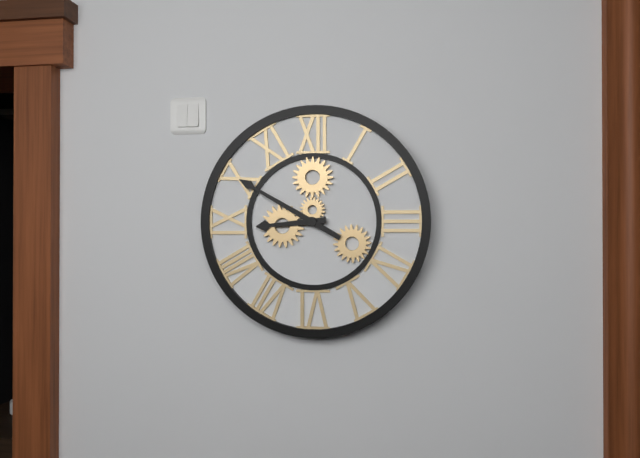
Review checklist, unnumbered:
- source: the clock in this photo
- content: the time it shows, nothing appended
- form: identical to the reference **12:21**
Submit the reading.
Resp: **8:50**
